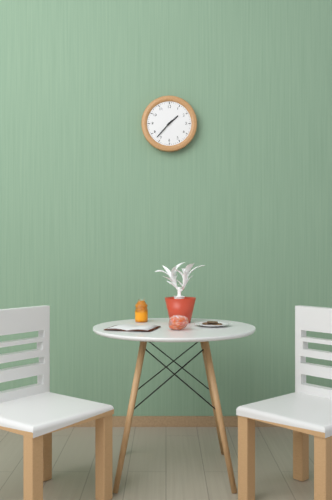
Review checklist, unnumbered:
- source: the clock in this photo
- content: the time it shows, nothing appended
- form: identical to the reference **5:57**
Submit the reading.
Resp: **1:37**
